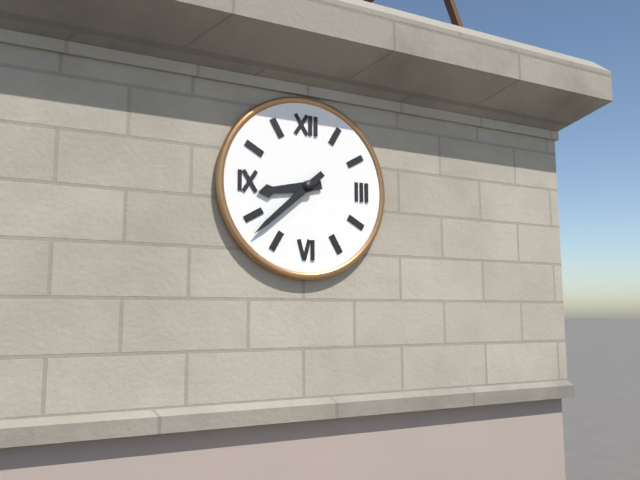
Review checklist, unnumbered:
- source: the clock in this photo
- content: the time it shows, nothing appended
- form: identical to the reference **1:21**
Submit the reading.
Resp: **8:38**
